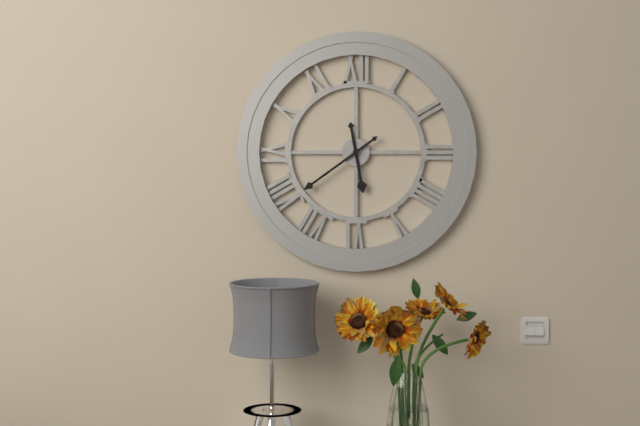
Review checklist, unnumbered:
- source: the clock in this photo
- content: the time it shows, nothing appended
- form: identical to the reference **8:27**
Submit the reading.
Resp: **5:39**
